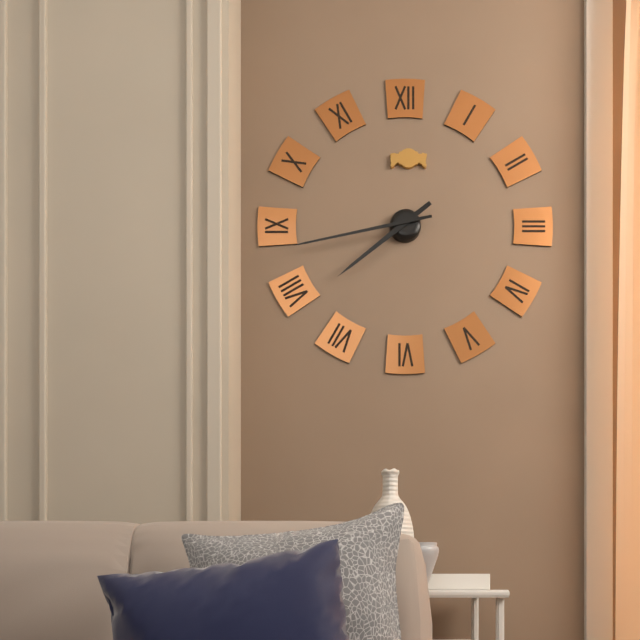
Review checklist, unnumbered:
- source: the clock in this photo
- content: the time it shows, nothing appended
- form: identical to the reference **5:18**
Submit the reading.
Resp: **7:43**
